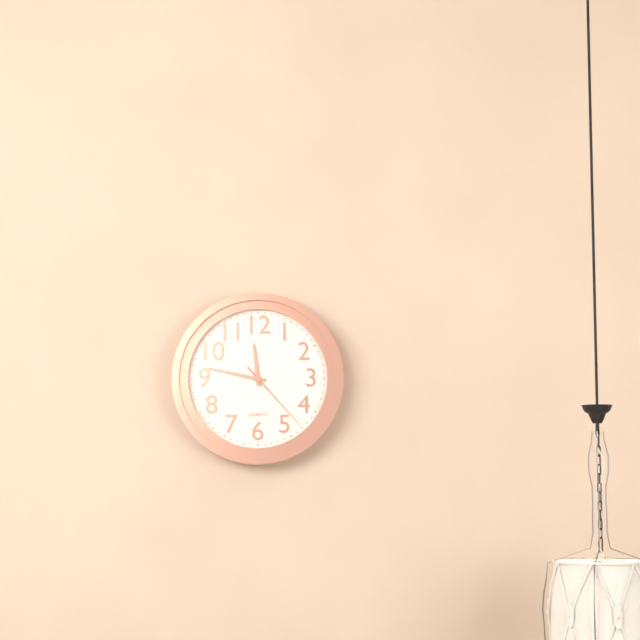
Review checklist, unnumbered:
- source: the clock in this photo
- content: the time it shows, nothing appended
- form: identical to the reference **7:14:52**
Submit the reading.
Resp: **11:47:23**
